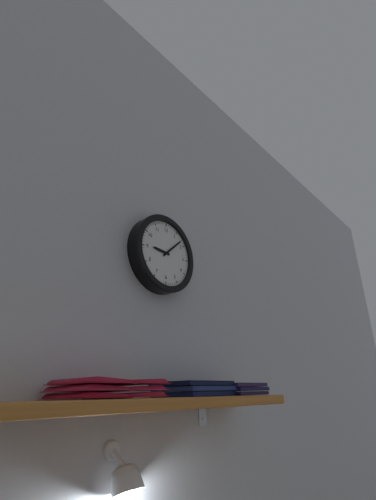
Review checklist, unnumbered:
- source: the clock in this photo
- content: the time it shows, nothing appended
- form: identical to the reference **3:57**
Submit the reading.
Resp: **9:08**
